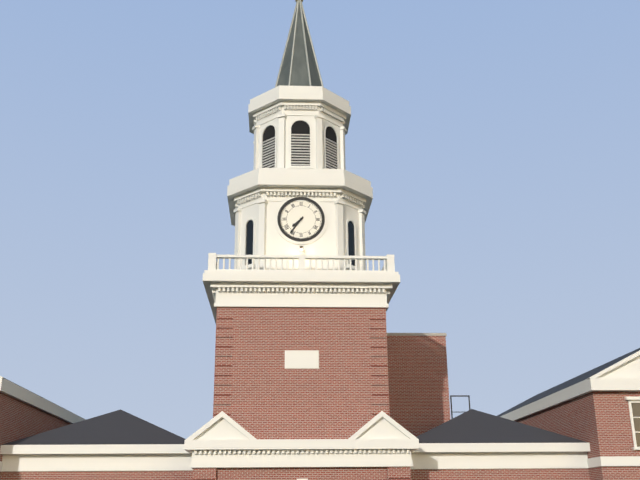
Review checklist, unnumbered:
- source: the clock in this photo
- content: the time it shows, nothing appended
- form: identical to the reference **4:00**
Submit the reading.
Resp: **7:36**
